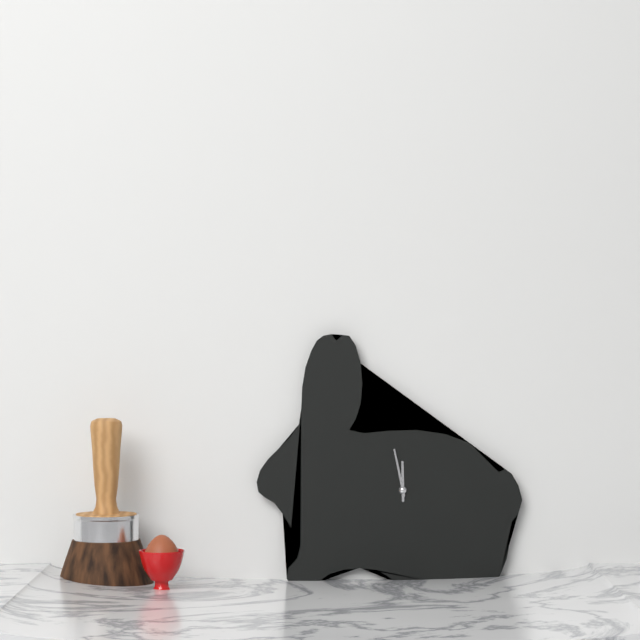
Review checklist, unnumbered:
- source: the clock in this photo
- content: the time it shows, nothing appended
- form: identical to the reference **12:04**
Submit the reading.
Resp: **11:58**
